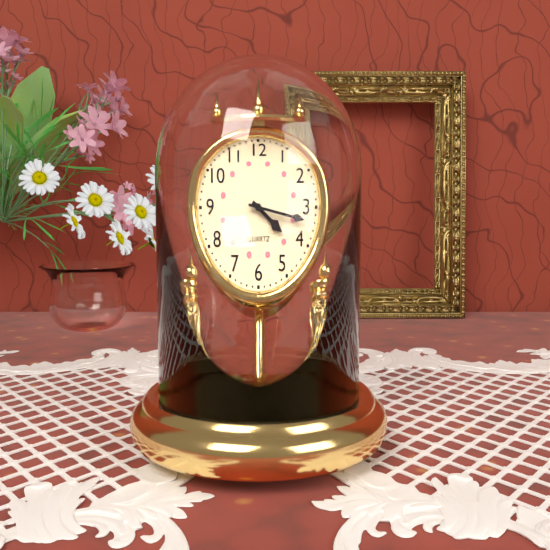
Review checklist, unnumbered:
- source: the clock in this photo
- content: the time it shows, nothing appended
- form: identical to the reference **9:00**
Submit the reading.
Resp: **4:17**
